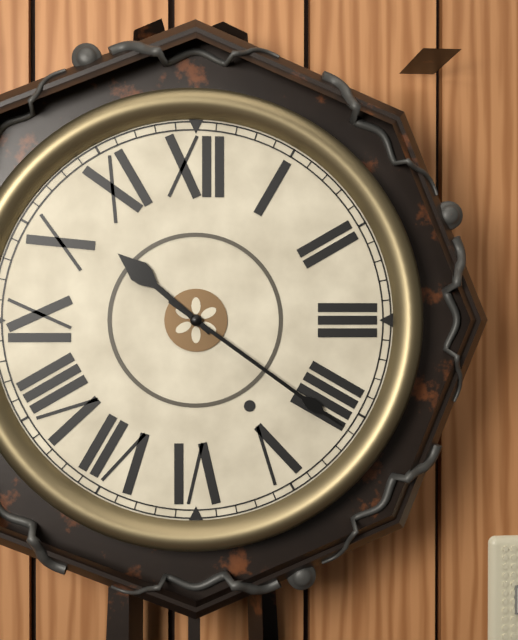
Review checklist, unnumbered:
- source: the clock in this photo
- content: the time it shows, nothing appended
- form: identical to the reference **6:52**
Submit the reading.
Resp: **10:21**
